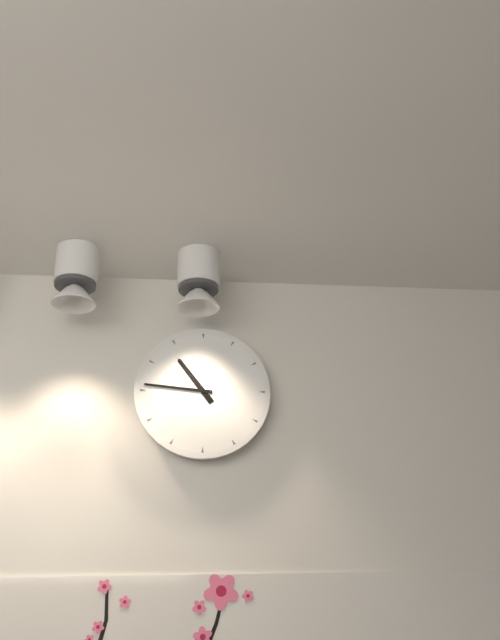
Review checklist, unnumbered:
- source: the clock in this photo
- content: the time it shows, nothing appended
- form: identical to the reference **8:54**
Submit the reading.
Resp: **10:46**
